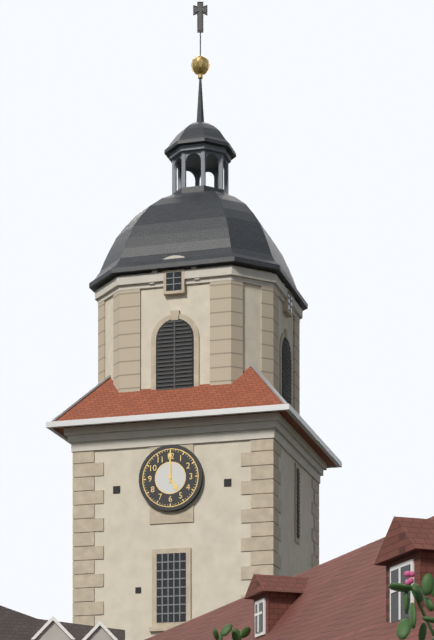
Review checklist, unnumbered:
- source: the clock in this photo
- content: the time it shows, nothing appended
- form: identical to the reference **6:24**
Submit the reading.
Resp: **5:00**
